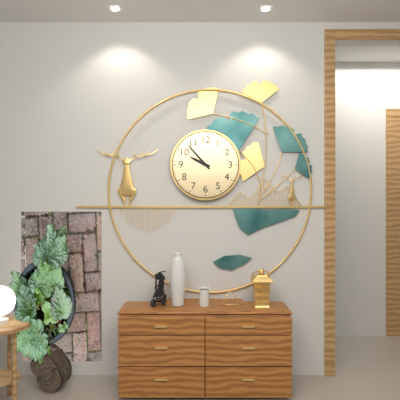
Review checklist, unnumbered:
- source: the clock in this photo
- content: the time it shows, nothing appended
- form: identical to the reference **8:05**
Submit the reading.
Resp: **9:53**
